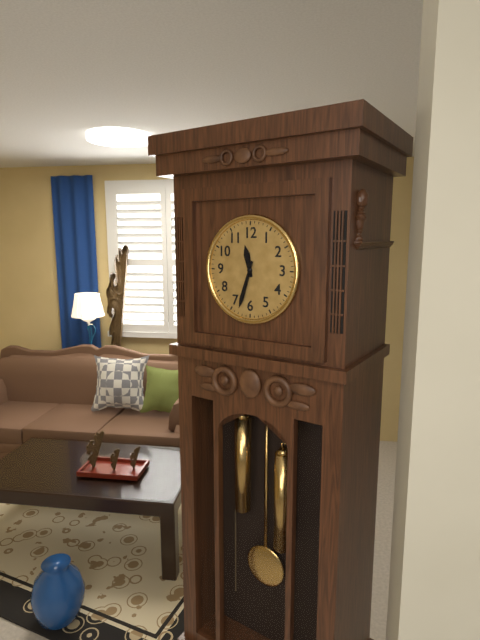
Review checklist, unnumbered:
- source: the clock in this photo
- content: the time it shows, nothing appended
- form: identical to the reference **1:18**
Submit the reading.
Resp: **11:33**
